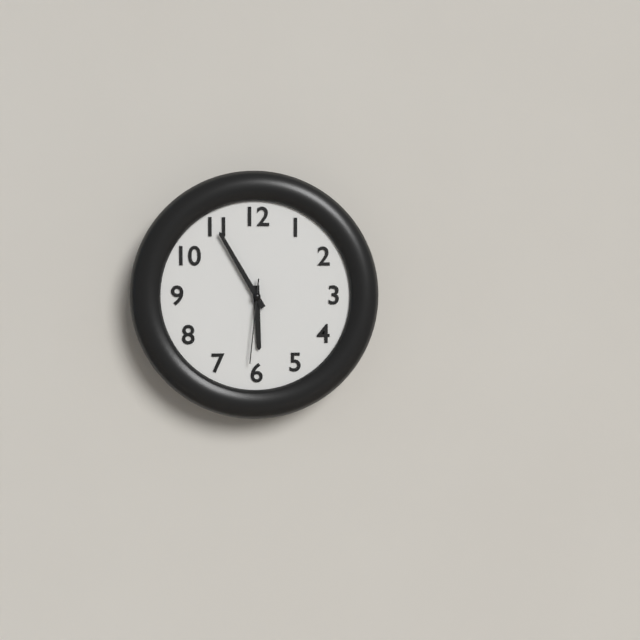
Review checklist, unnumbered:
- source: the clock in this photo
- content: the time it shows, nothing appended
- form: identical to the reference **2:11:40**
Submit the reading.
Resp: **5:55:31**
